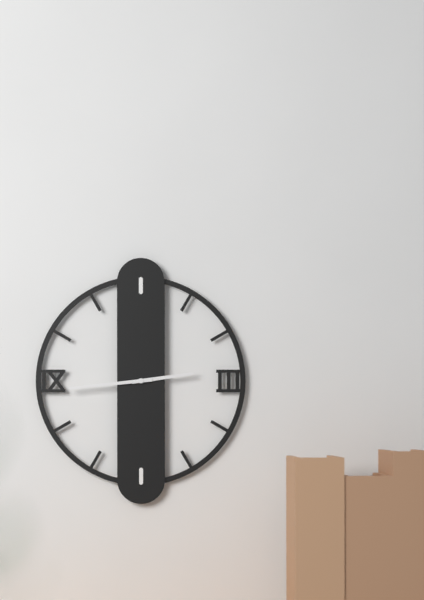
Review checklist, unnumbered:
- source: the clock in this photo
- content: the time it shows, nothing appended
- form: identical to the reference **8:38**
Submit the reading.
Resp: **2:44**
